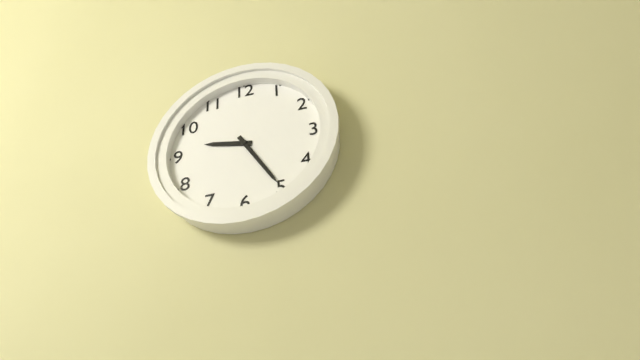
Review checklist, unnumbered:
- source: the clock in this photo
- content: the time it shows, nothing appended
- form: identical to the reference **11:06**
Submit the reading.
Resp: **9:25**
